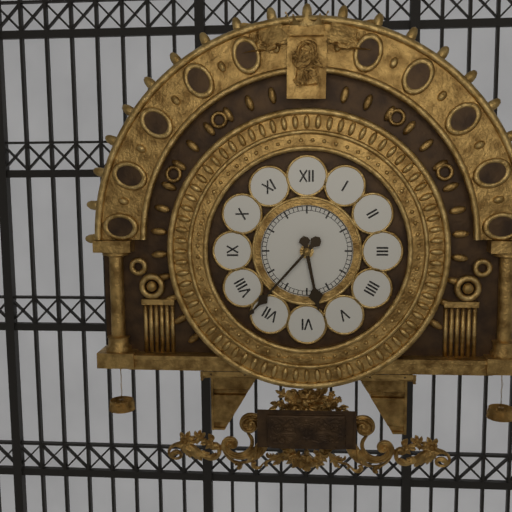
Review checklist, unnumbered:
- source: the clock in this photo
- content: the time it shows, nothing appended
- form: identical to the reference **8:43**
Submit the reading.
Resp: **5:37**
